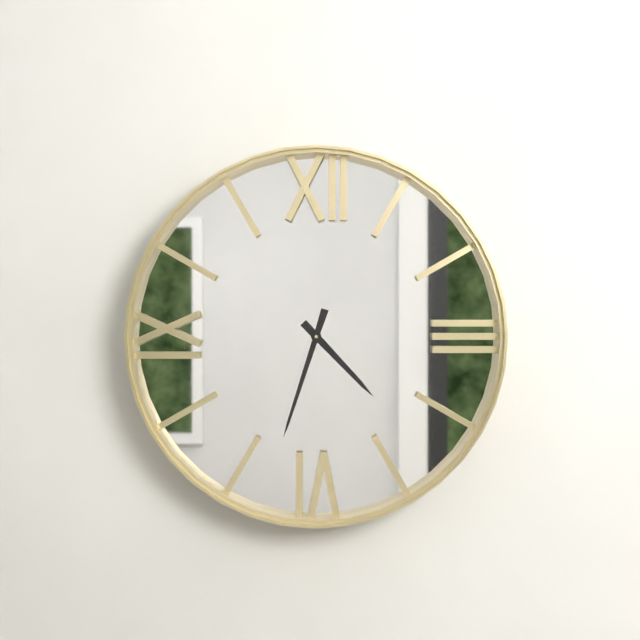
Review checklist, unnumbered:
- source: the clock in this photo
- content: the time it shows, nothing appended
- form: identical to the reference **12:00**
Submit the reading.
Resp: **4:33**
